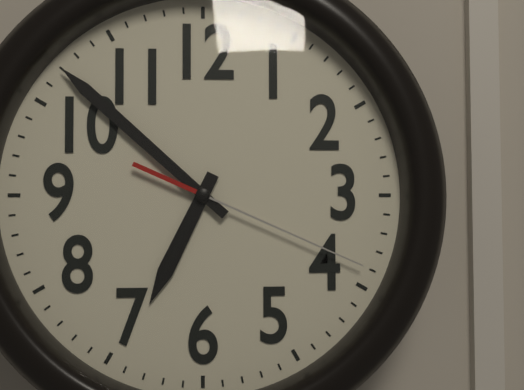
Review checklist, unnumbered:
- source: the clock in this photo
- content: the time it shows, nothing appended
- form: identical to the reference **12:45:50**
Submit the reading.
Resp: **6:52:19**
